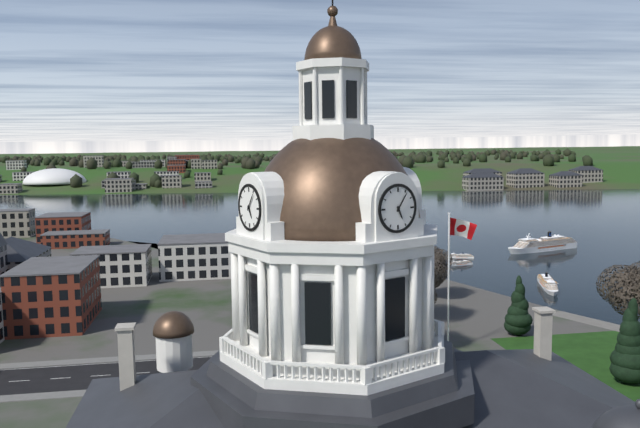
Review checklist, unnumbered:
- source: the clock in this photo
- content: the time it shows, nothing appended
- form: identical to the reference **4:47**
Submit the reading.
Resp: **5:06**
